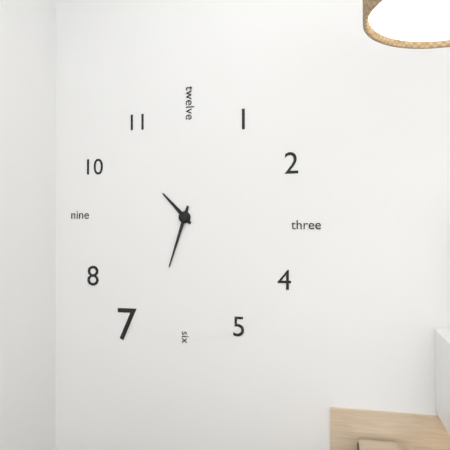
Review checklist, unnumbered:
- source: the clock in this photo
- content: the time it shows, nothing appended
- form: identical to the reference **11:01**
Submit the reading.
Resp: **10:33**
